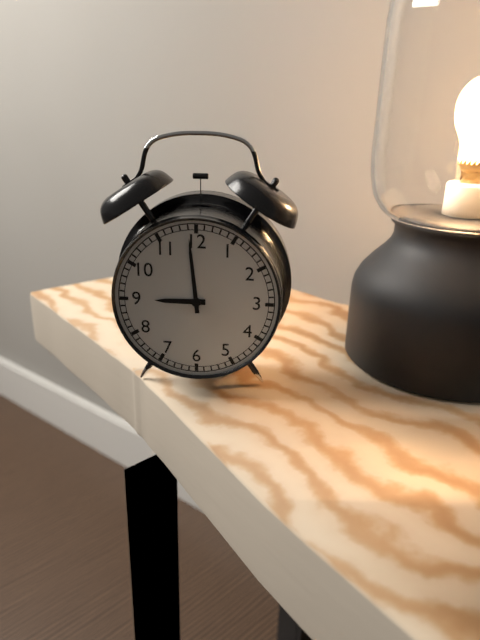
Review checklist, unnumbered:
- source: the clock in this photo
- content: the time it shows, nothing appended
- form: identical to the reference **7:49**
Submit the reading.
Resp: **8:59**
